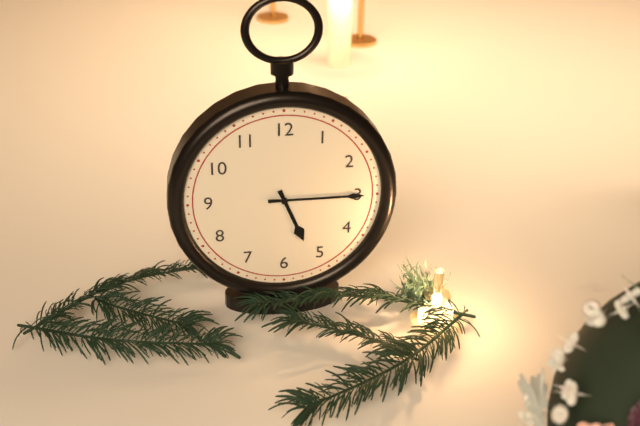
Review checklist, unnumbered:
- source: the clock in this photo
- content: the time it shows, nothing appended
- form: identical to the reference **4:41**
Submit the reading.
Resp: **5:15**
